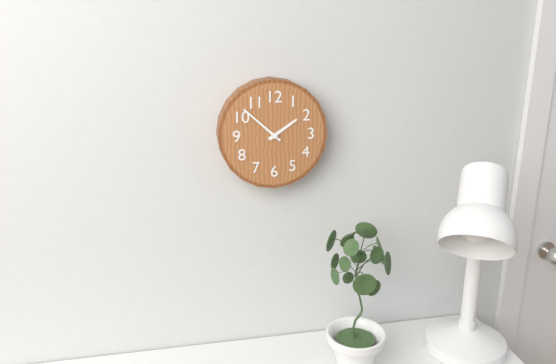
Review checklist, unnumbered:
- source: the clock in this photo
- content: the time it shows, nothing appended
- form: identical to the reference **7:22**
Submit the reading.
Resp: **1:52**
